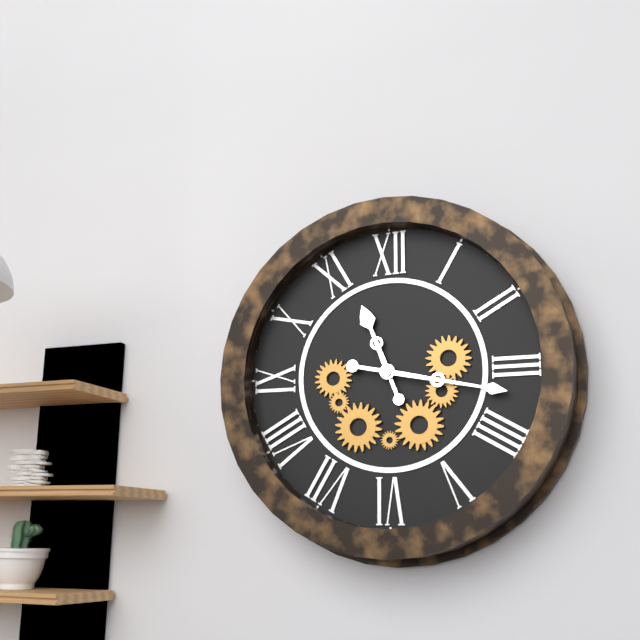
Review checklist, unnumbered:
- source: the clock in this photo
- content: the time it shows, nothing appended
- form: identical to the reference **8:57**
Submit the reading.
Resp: **11:17**
